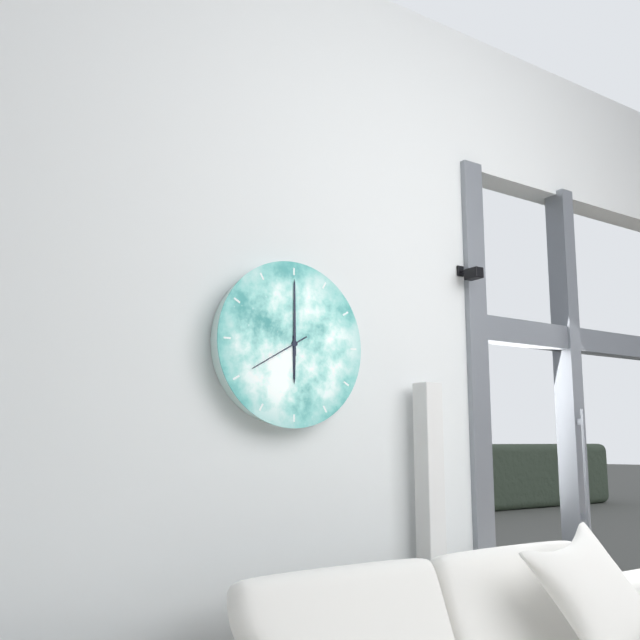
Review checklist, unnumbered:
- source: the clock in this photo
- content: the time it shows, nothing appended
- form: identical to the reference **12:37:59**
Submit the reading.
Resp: **6:00:40**
